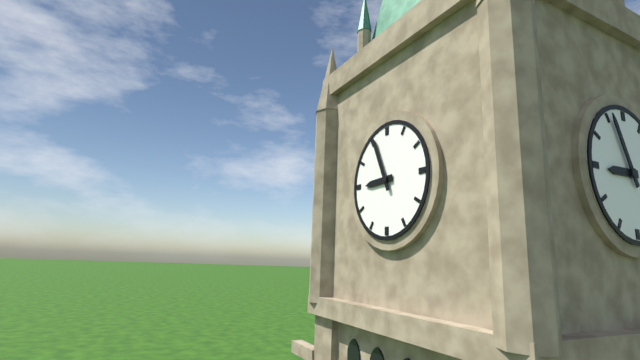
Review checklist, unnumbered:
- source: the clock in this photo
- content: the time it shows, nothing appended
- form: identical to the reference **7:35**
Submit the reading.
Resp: **8:56**
